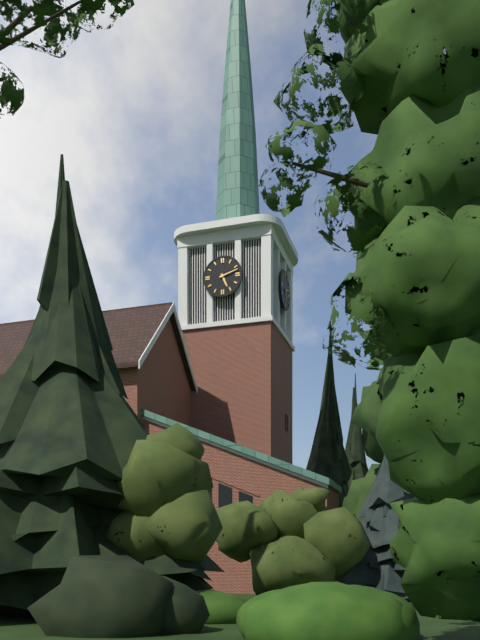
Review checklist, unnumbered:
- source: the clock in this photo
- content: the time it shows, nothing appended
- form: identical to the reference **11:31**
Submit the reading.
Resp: **5:12**
